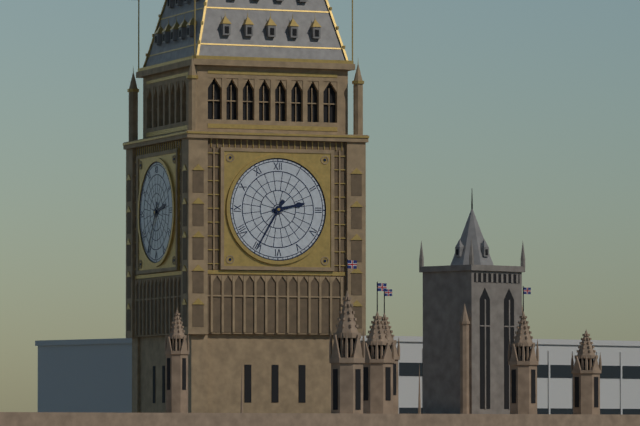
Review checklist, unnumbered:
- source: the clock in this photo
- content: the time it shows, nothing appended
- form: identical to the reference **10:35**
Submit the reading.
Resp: **2:35**
